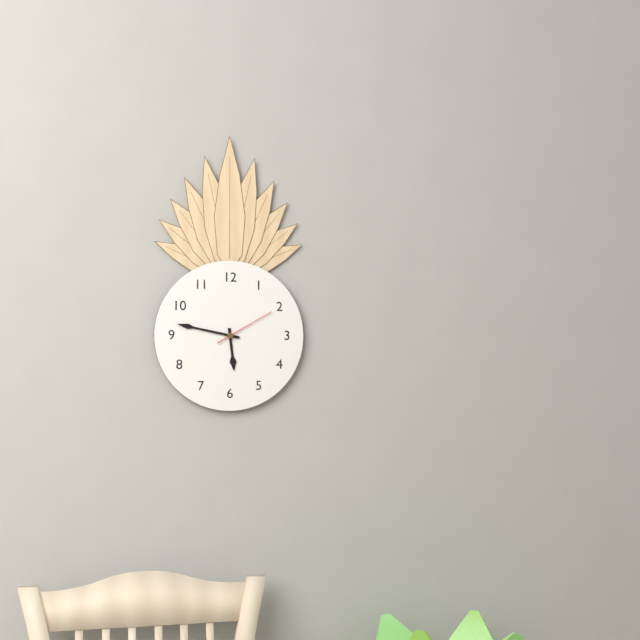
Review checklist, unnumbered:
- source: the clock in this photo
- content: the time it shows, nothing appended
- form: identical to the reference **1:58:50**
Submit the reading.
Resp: **5:47:10**
